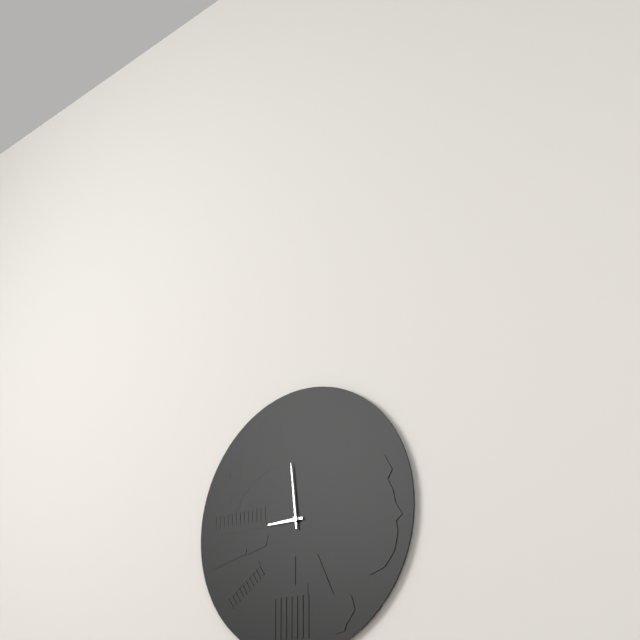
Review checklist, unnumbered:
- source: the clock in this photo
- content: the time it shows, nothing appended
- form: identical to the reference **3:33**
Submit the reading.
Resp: **8:59**
